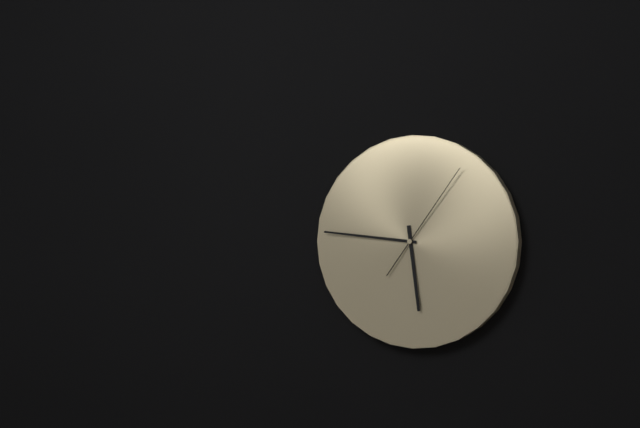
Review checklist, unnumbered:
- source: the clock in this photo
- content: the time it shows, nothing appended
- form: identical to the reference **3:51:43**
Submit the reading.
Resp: **5:46:06**
